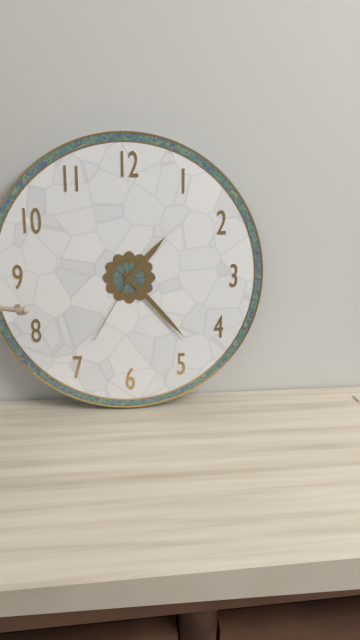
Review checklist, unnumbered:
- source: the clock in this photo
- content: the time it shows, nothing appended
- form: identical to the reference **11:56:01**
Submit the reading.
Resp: **1:23:35**
